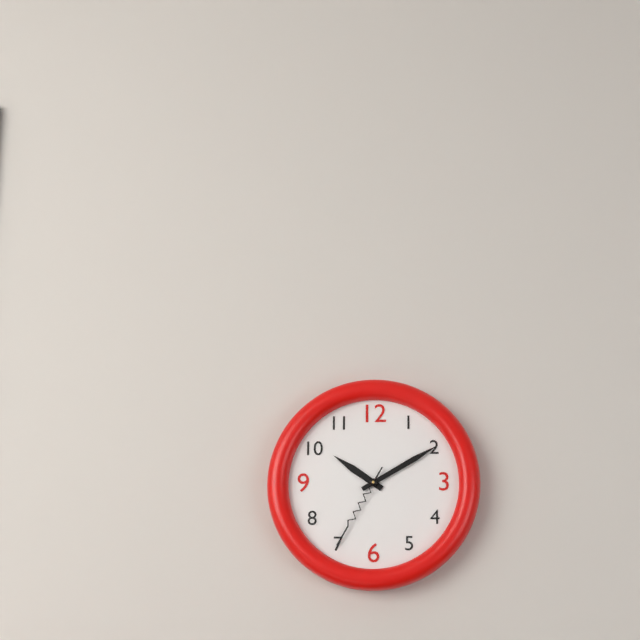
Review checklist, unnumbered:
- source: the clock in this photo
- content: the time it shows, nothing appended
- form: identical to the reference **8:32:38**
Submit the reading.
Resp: **10:10:35**
